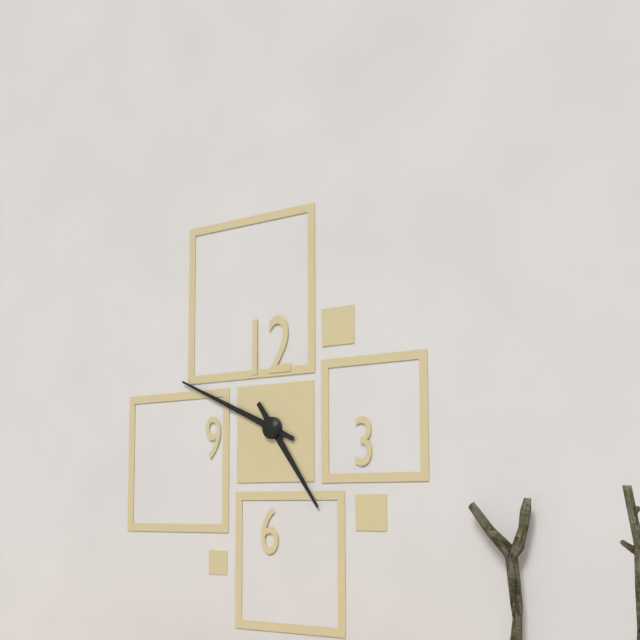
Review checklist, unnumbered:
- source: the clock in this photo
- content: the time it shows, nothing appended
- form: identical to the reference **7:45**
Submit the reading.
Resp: **4:49**
